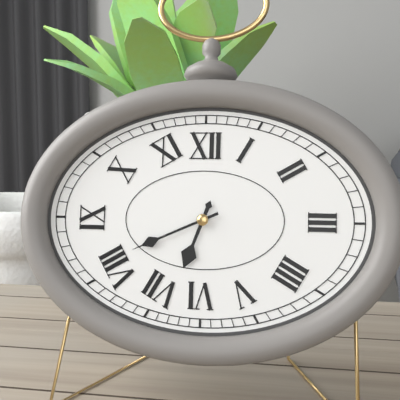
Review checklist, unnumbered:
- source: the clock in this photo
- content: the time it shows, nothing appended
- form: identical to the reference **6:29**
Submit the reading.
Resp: **6:41**
